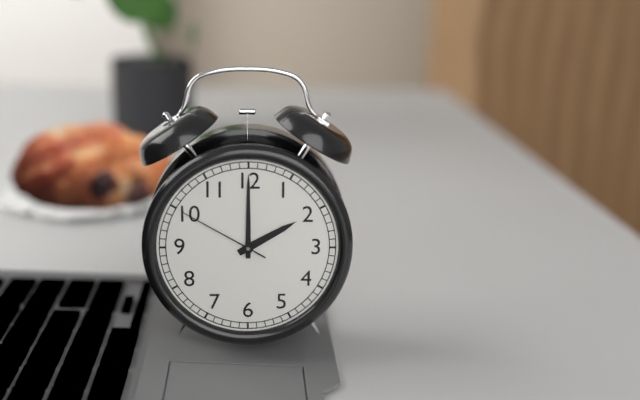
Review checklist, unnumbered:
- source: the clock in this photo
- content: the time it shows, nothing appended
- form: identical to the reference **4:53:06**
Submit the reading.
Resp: **2:00:50**
